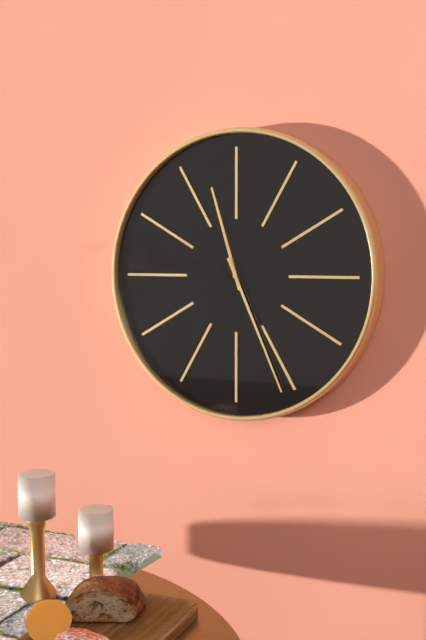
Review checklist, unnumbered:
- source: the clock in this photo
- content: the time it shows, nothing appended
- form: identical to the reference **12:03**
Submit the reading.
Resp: **11:26**
